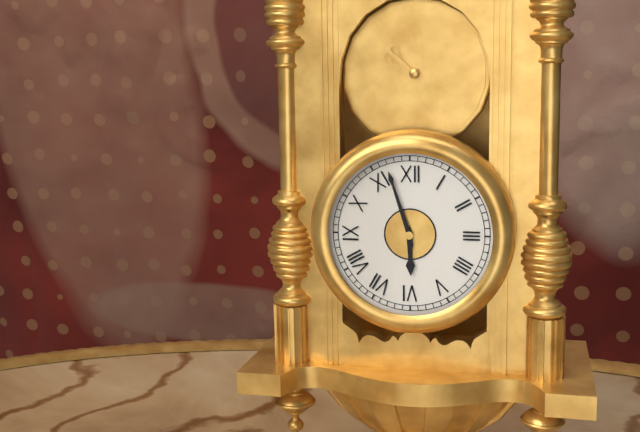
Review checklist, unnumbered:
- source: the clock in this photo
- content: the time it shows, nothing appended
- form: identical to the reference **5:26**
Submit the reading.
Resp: **5:57**
